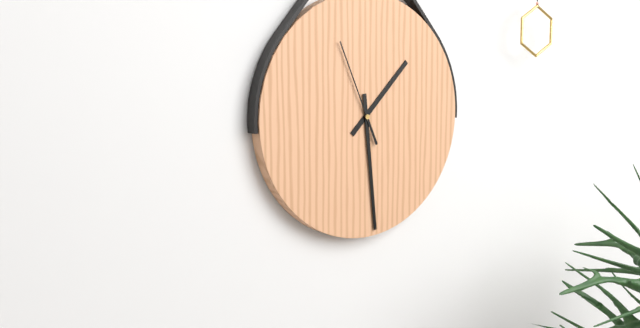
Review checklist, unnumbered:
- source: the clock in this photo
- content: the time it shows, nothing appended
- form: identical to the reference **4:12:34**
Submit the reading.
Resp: **1:29:56**
